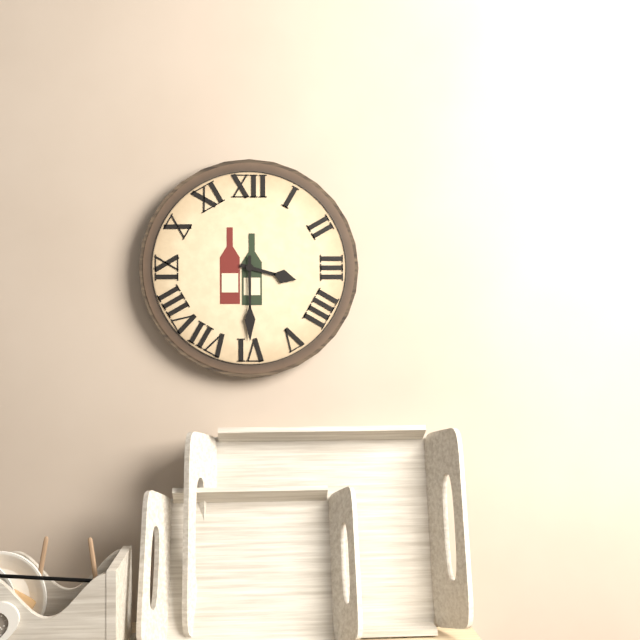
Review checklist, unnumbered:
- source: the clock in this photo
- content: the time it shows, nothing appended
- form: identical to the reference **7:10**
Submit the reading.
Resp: **3:30**
